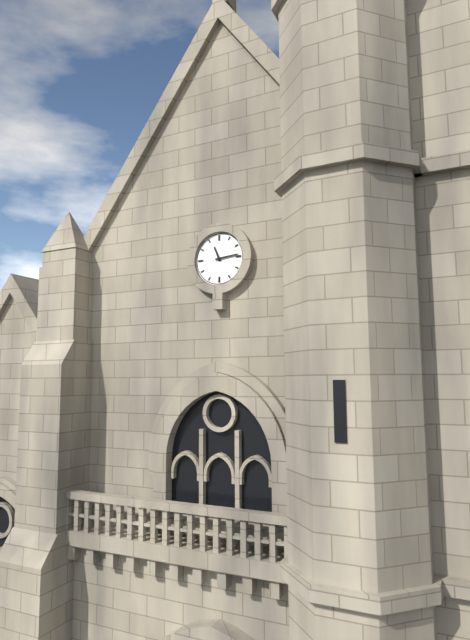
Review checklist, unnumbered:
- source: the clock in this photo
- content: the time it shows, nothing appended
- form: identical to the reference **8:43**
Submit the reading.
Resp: **11:14**
